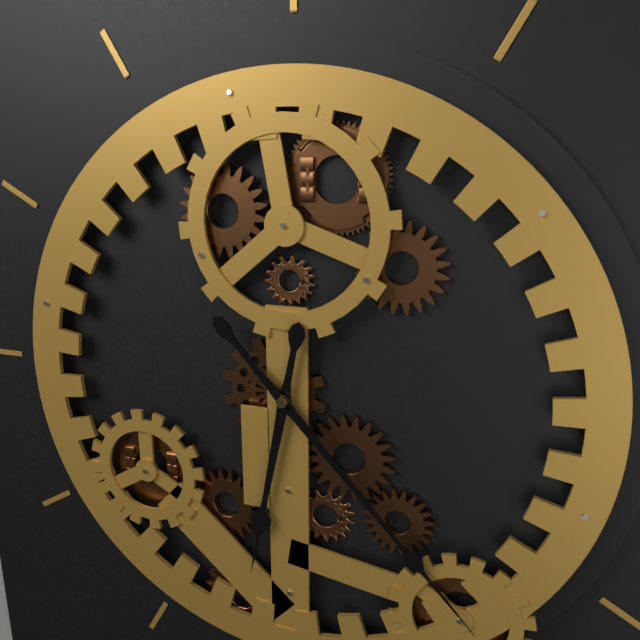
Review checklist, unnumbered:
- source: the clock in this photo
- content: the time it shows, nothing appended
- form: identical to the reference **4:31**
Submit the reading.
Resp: **6:23**
